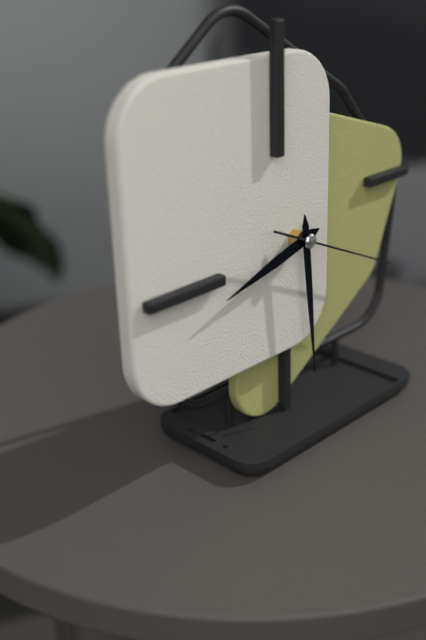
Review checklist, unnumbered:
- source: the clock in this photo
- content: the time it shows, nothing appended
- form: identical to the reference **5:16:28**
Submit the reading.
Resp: **8:29:19**
